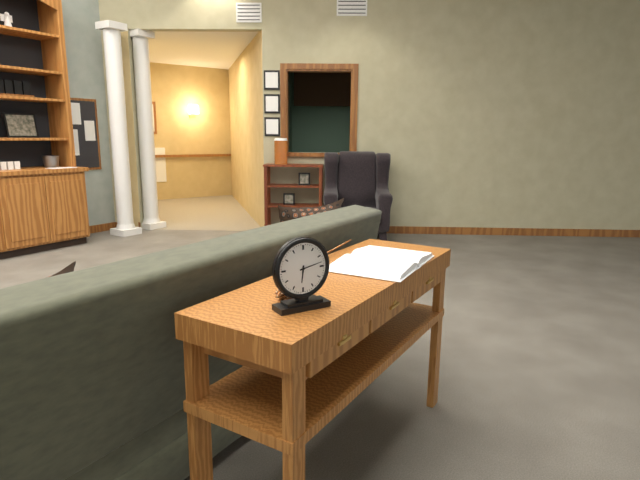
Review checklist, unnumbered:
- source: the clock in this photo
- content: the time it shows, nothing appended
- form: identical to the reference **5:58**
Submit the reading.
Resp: **6:13**
